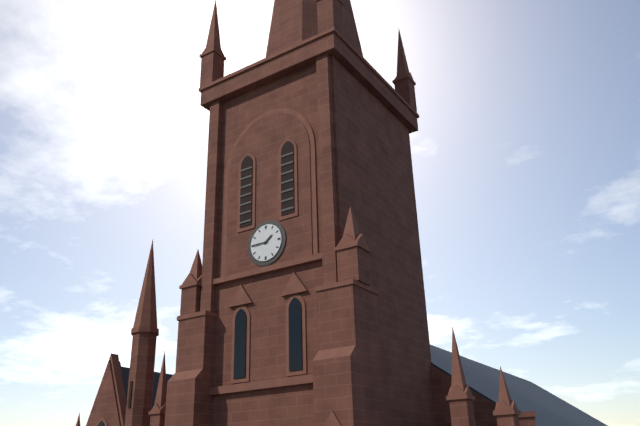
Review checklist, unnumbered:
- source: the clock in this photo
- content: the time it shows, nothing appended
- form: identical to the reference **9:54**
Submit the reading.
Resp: **1:45**
